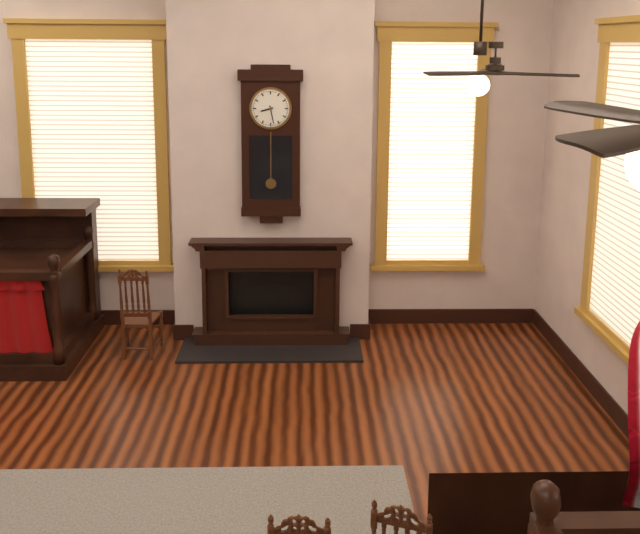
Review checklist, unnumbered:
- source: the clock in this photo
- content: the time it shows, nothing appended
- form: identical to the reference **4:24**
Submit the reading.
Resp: **8:28**
